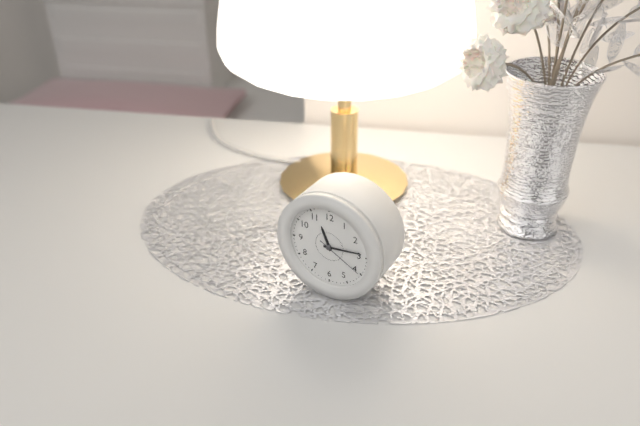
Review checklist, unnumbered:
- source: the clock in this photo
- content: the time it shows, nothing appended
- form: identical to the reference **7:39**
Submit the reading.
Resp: **11:14**
